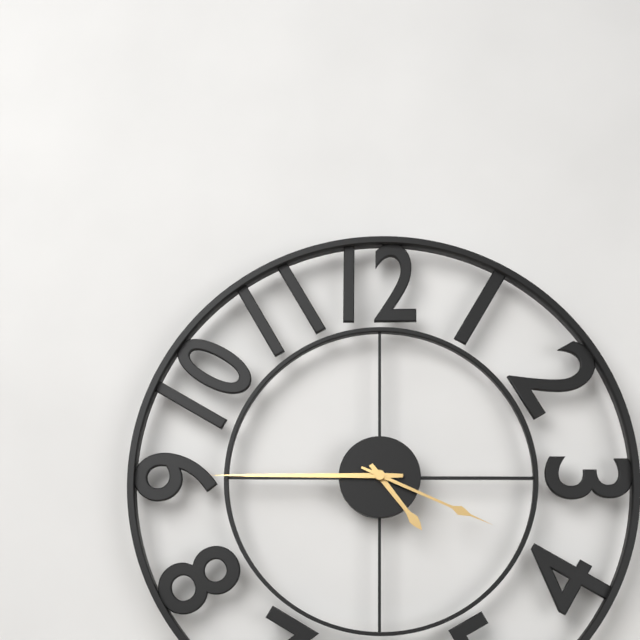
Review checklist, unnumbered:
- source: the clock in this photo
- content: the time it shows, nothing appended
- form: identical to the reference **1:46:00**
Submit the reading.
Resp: **4:45:19**
